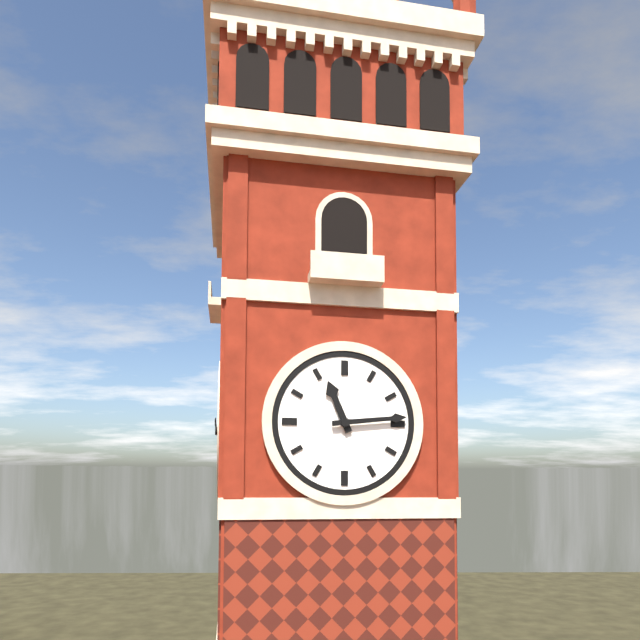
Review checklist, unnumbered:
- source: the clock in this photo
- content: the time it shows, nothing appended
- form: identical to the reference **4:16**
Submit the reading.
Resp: **11:14**
